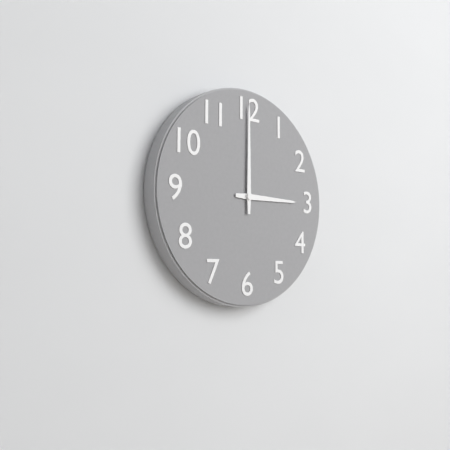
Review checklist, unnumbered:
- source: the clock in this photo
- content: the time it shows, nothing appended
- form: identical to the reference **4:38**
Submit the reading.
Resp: **3:00**
